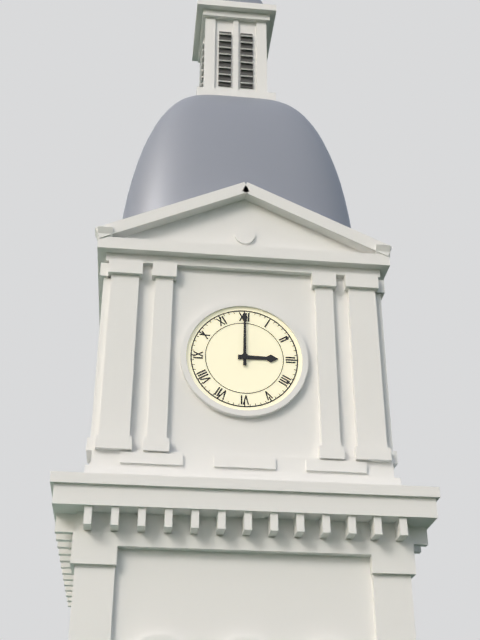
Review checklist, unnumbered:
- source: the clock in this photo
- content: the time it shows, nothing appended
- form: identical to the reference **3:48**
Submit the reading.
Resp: **3:00**
